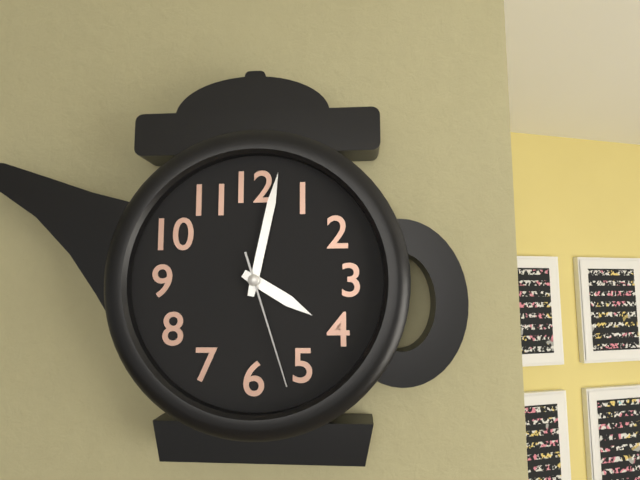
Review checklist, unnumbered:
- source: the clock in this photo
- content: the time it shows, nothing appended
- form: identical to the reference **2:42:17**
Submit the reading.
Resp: **4:02:27**
